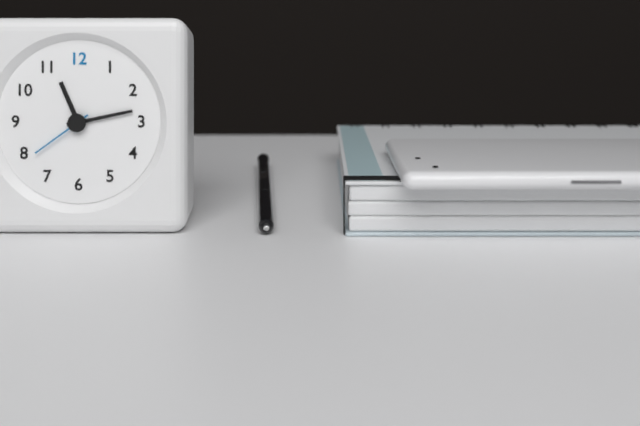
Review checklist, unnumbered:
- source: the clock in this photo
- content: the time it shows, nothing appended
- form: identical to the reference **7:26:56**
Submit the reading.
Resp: **11:13:39**
